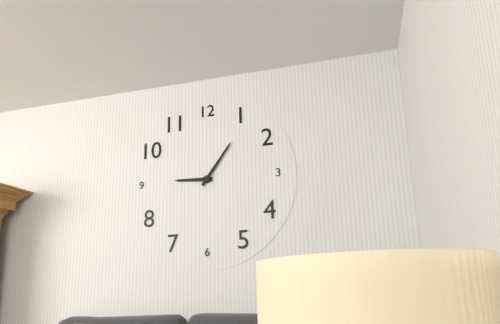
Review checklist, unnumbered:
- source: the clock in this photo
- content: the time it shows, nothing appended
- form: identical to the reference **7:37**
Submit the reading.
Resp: **9:06**
